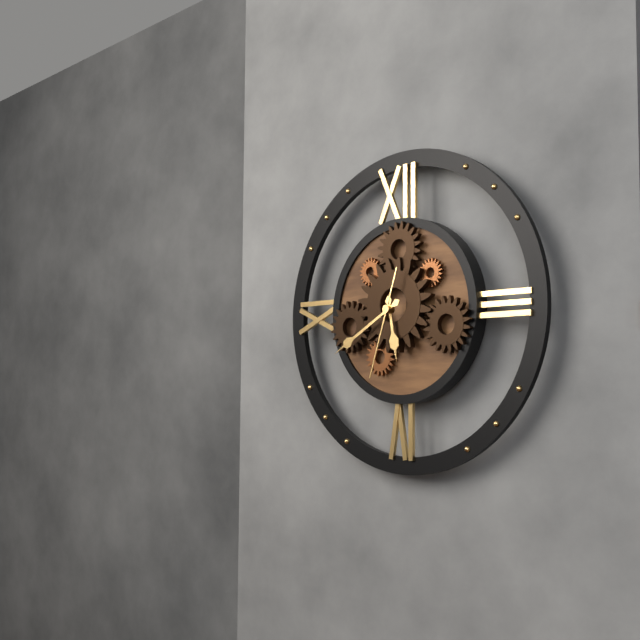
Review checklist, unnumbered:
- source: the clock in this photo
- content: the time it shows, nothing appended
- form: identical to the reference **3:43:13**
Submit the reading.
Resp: **5:40:33**
